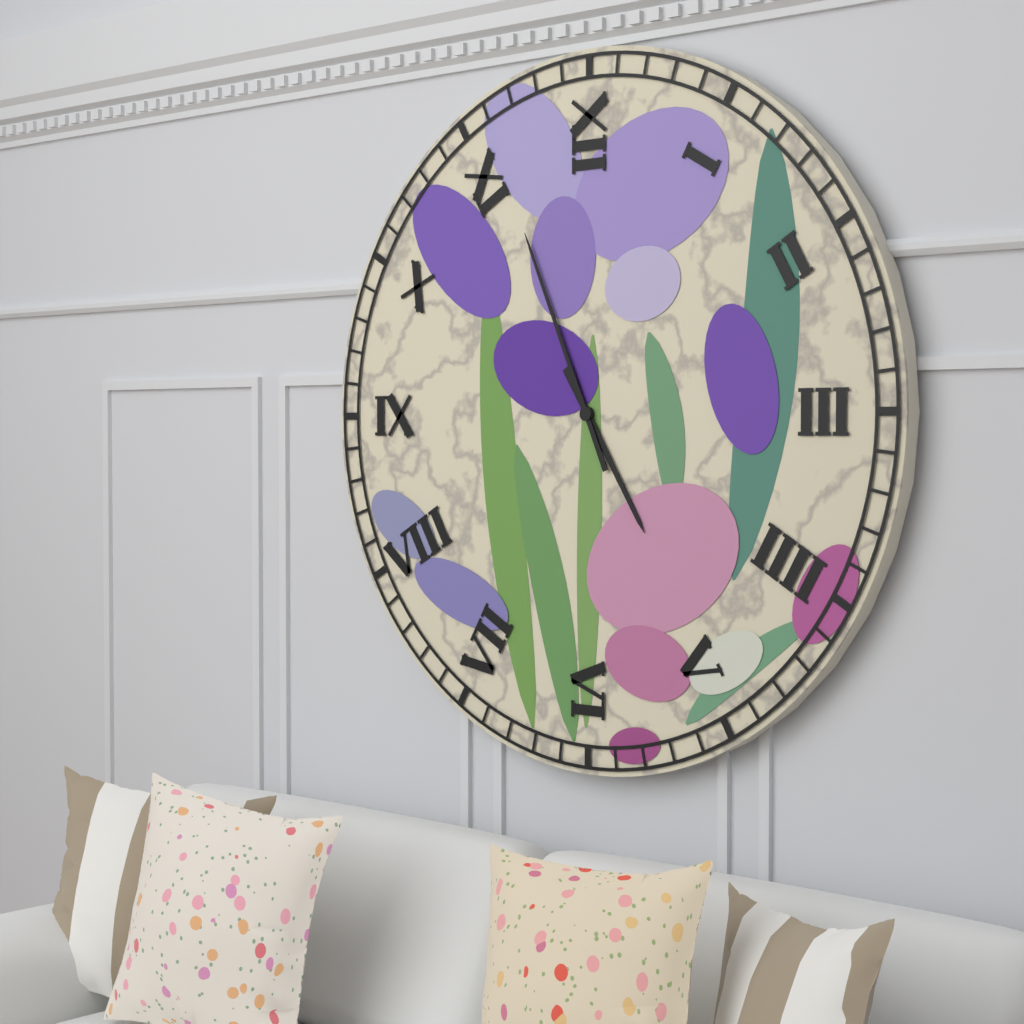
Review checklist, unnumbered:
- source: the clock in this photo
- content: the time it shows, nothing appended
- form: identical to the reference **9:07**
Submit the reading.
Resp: **4:56**
